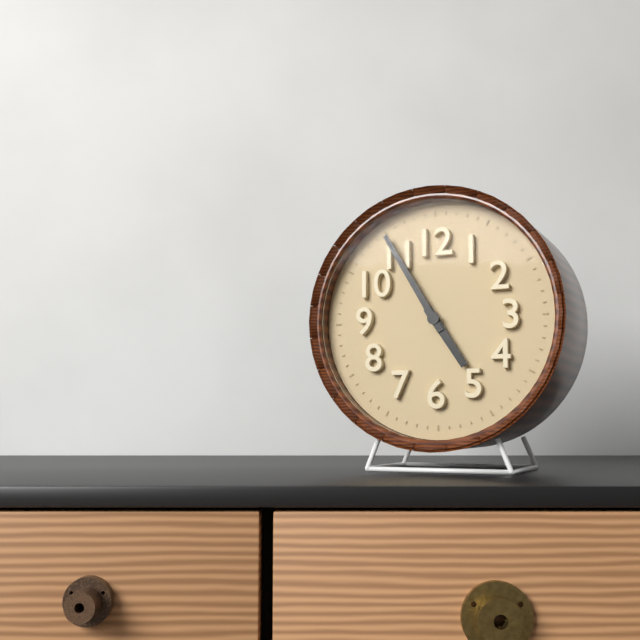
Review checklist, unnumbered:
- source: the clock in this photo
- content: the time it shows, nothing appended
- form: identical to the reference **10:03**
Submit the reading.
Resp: **4:55**
